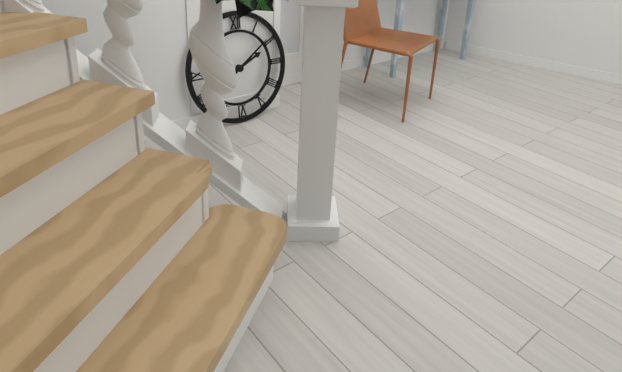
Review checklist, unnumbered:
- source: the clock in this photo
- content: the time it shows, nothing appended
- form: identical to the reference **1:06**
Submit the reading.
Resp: **2:09**
